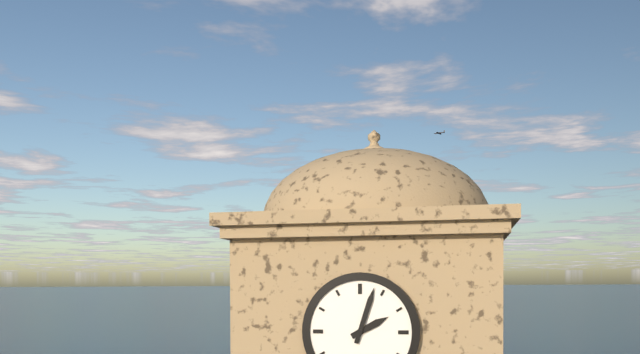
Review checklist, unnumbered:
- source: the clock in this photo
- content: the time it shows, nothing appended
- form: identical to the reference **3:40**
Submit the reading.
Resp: **2:03**
